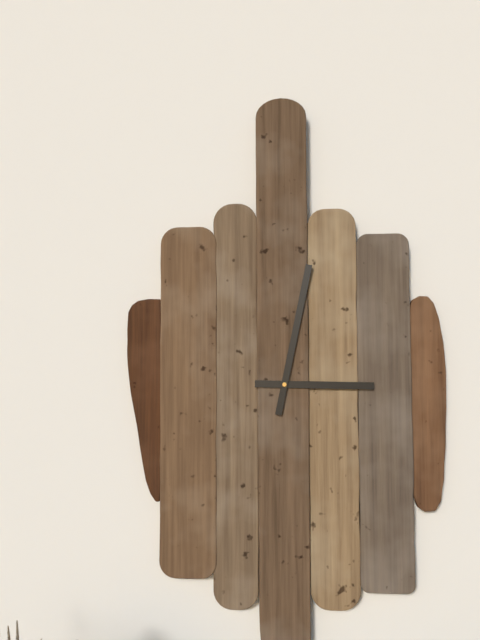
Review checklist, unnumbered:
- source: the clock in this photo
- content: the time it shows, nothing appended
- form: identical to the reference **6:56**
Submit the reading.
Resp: **3:02**
